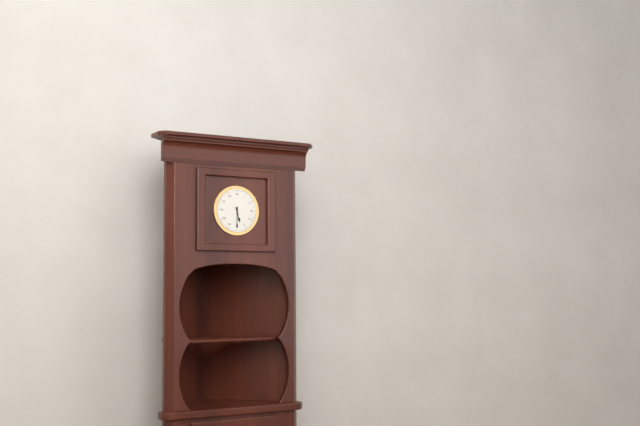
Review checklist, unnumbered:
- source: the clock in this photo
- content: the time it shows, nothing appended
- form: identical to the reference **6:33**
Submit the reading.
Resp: **5:30**
